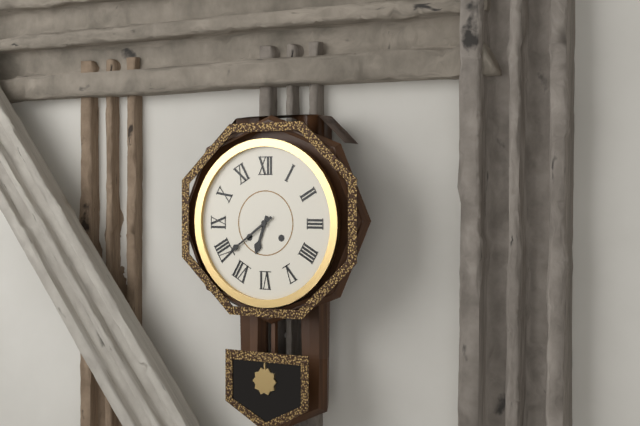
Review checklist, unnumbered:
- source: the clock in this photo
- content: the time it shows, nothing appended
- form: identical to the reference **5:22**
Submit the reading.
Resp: **6:39**
